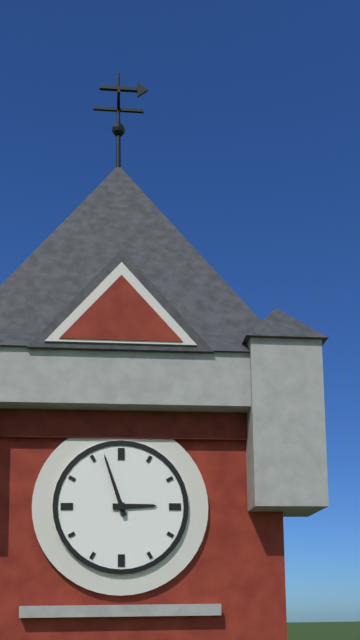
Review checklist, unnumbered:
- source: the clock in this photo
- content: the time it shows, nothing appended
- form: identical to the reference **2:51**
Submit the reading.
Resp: **2:57**
